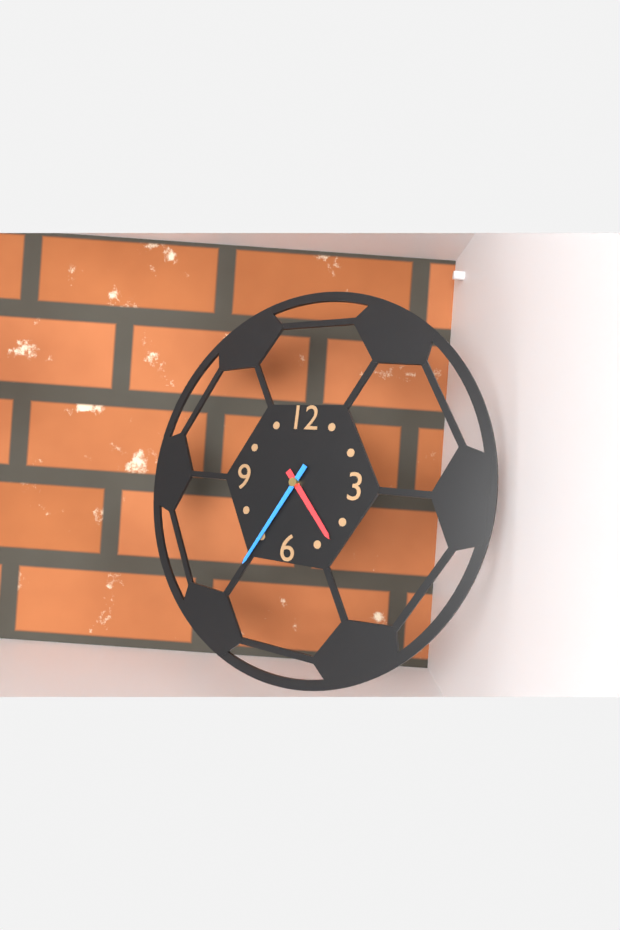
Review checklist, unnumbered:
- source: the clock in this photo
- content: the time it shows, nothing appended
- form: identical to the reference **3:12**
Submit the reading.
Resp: **4:35**
